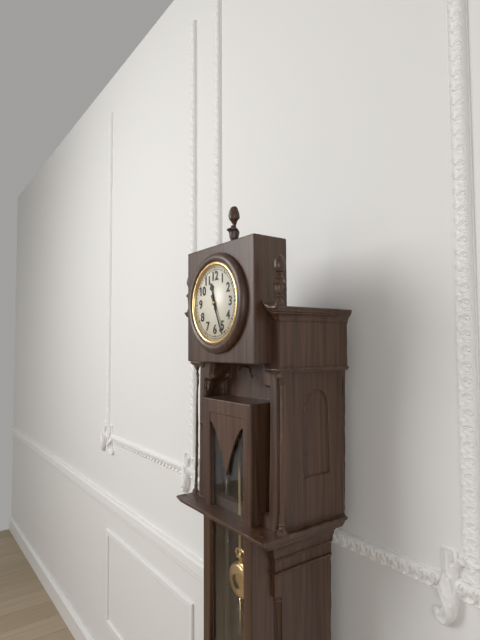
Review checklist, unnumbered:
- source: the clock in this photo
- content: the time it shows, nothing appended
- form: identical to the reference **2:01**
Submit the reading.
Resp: **11:26**
